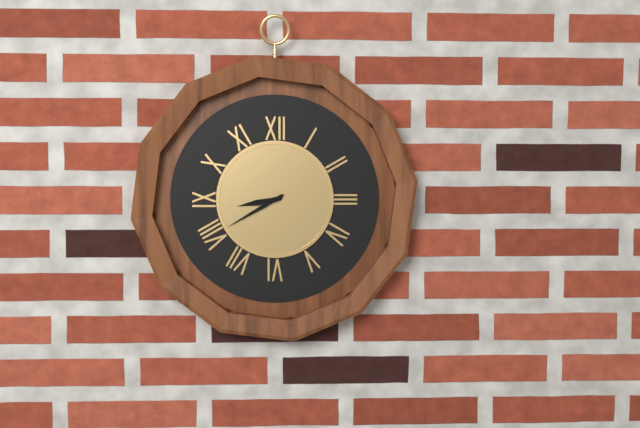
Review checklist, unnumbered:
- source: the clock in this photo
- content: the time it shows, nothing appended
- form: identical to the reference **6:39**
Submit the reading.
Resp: **8:40**
